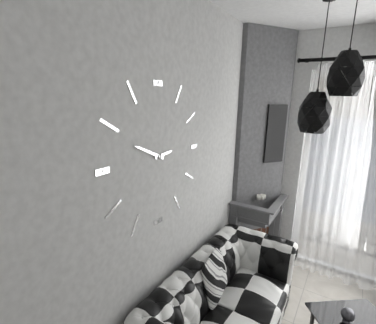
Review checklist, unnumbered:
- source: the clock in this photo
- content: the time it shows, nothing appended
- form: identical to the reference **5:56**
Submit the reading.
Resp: **2:49**
